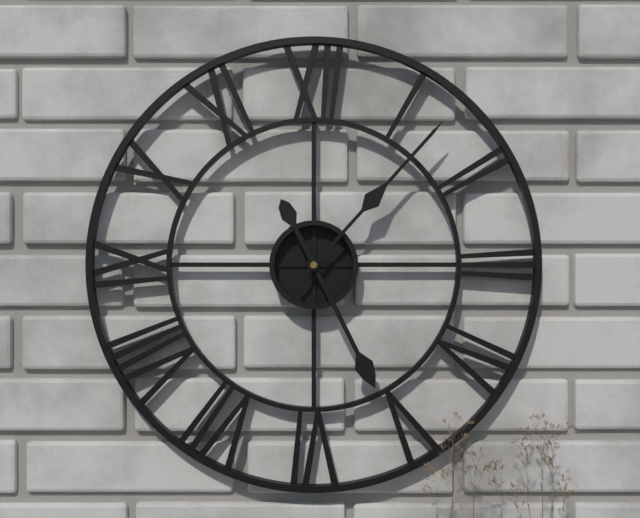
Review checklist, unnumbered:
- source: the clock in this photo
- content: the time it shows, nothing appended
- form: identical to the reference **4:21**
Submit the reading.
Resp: **5:07**
